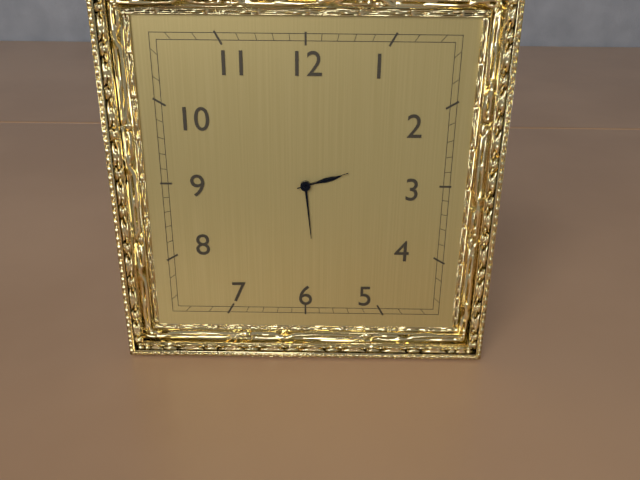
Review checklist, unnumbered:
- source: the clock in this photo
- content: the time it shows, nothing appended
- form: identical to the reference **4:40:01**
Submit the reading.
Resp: **2:29:12**
